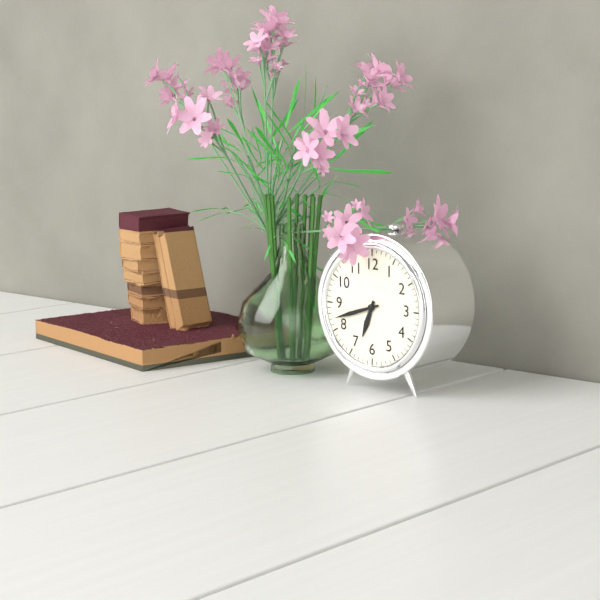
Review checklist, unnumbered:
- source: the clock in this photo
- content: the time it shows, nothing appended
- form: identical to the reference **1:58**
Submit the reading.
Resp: **6:42**
